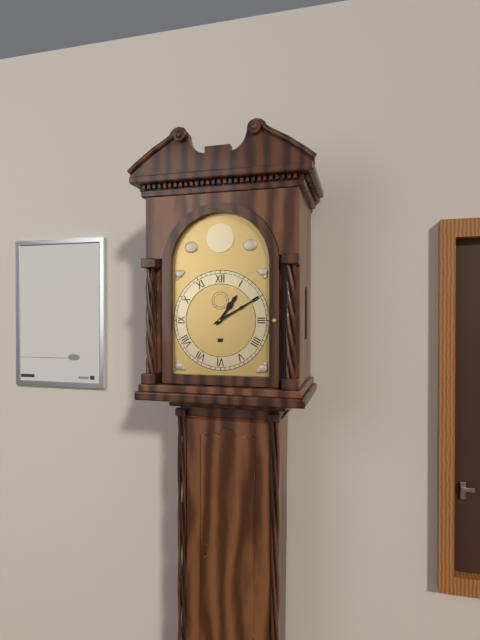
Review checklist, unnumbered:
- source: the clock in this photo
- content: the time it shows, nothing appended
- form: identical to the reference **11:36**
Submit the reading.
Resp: **1:10**
